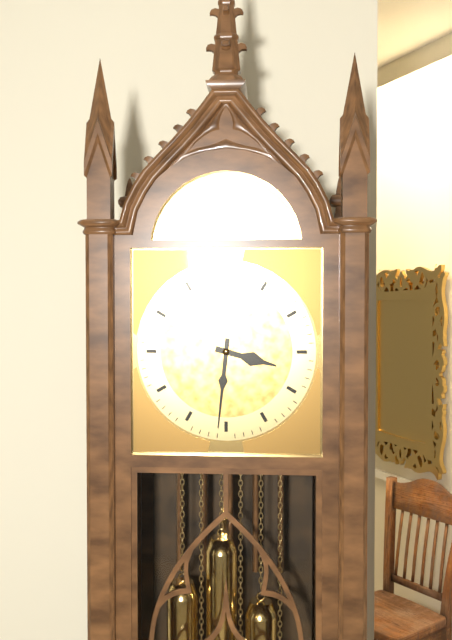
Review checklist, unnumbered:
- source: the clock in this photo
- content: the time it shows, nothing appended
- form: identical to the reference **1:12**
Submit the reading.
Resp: **3:31**
